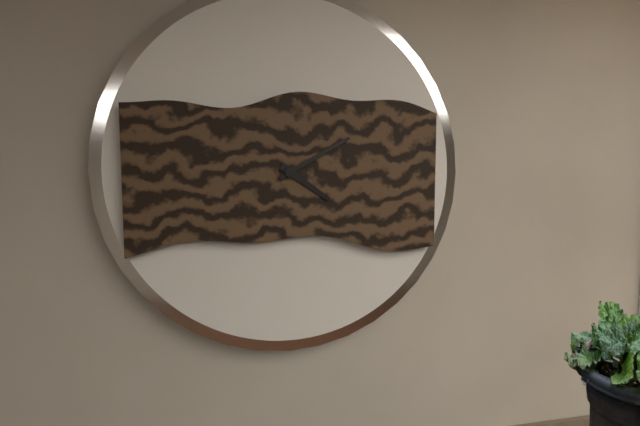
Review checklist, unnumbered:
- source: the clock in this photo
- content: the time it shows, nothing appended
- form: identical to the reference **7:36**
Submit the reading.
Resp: **4:10**
